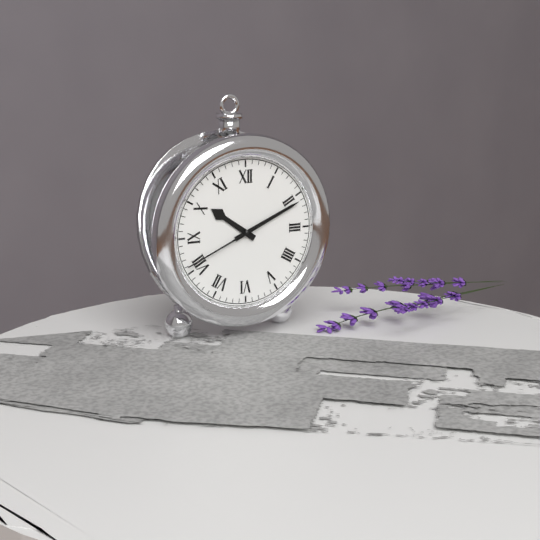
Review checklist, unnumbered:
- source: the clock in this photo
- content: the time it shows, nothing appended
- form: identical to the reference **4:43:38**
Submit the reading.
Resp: **10:11:41**
